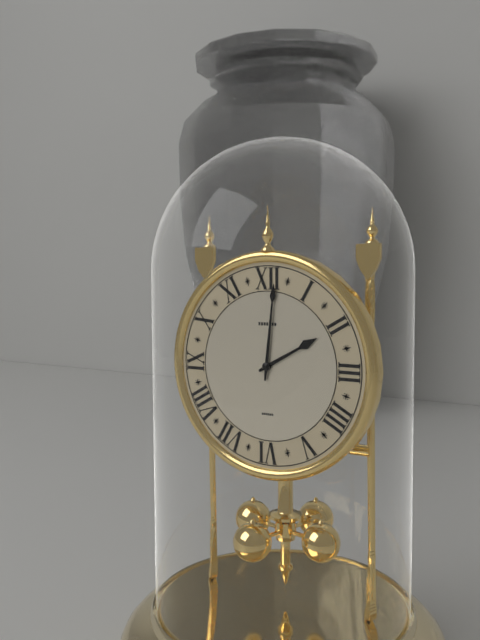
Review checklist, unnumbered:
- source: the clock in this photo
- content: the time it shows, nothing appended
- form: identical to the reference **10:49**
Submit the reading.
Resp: **2:01**
